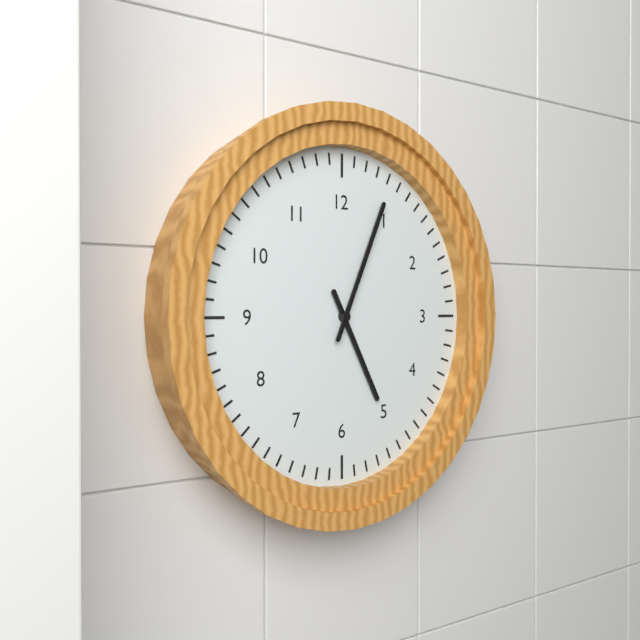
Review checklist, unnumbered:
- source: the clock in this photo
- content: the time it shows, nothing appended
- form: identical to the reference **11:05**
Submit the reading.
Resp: **5:04**
